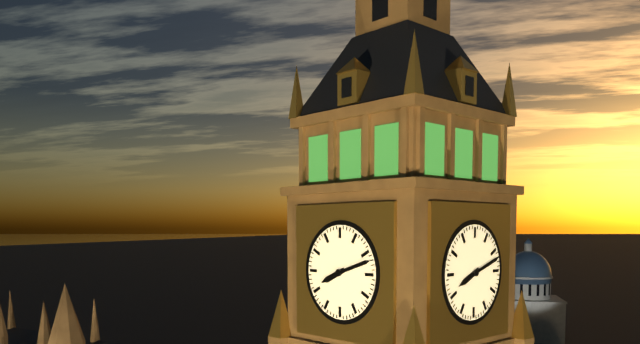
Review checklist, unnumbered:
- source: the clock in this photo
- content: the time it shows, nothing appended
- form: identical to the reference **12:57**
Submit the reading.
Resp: **8:12**
